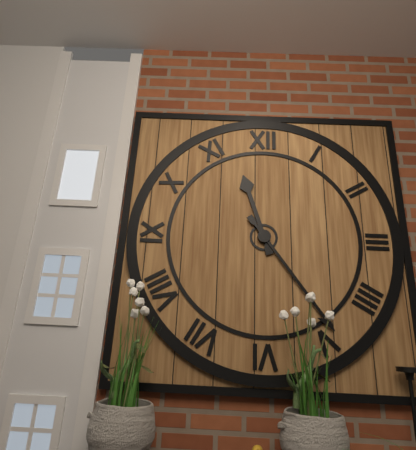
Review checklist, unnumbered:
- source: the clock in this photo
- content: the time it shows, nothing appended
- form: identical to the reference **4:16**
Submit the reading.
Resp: **11:24**
